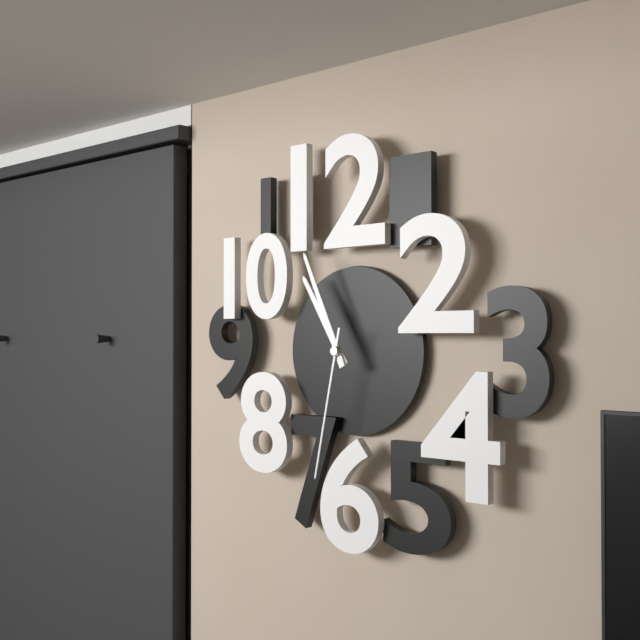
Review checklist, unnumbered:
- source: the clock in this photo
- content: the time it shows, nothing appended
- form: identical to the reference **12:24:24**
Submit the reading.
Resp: **10:56:32**
